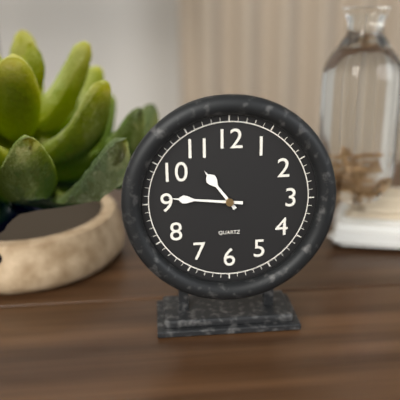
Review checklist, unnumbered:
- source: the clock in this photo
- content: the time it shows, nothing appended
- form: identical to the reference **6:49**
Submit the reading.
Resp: **10:46**
